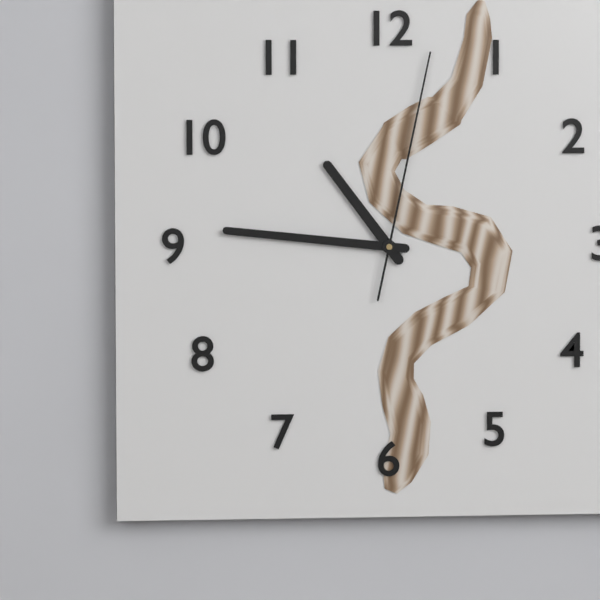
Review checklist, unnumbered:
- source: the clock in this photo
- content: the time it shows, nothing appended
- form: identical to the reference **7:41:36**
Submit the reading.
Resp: **10:46:02**
